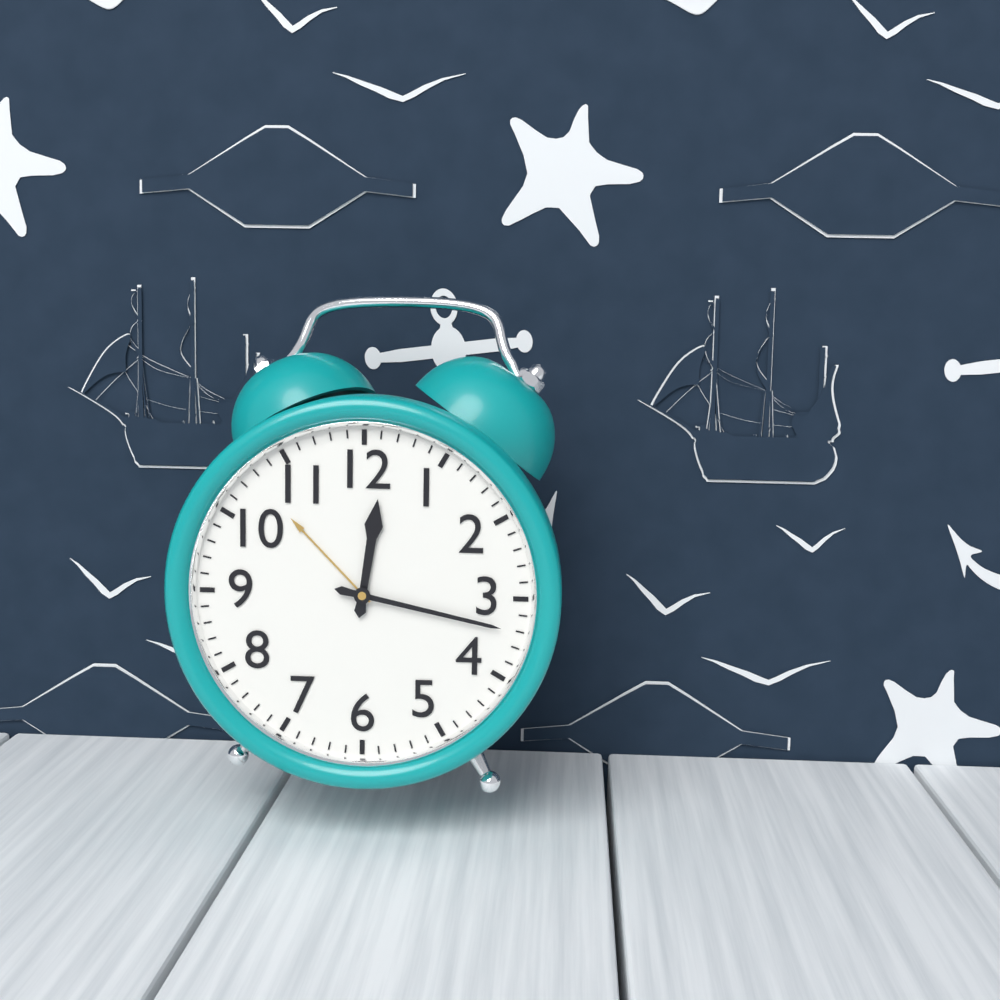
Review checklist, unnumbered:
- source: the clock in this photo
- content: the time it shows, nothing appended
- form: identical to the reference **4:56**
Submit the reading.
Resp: **12:17**
